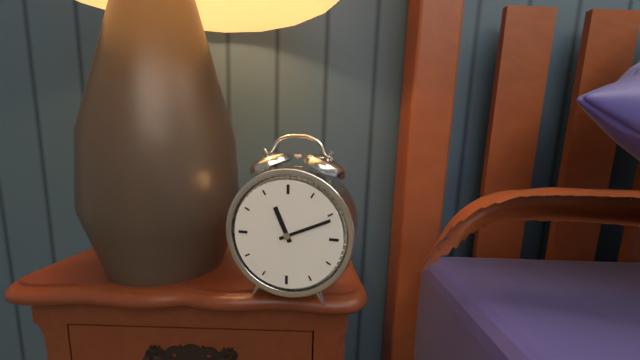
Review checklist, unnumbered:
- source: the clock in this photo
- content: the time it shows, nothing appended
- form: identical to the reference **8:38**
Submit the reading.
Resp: **11:11**
